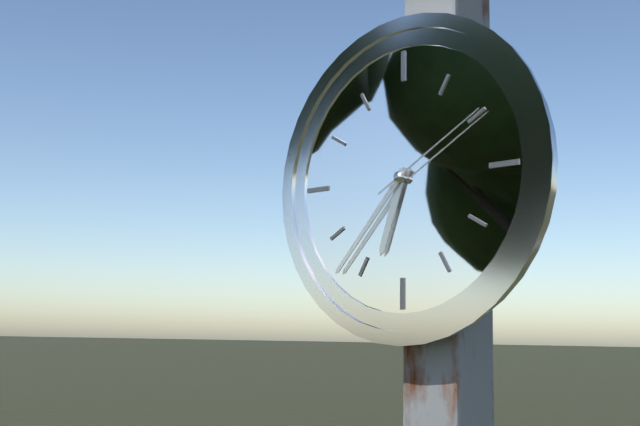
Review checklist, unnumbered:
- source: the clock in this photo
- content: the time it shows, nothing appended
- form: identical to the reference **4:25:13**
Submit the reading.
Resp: **6:37:10**
